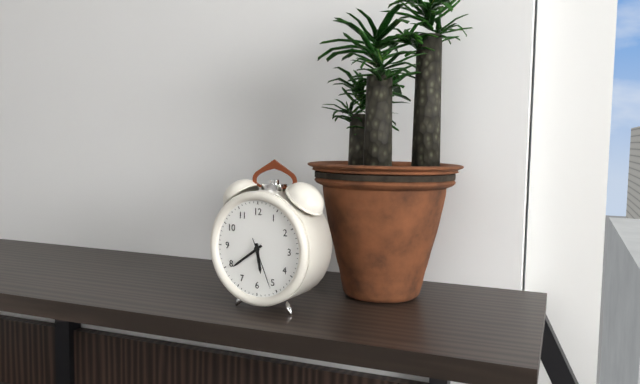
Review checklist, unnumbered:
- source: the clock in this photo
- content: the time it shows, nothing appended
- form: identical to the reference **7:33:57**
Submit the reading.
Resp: **5:39:26**
